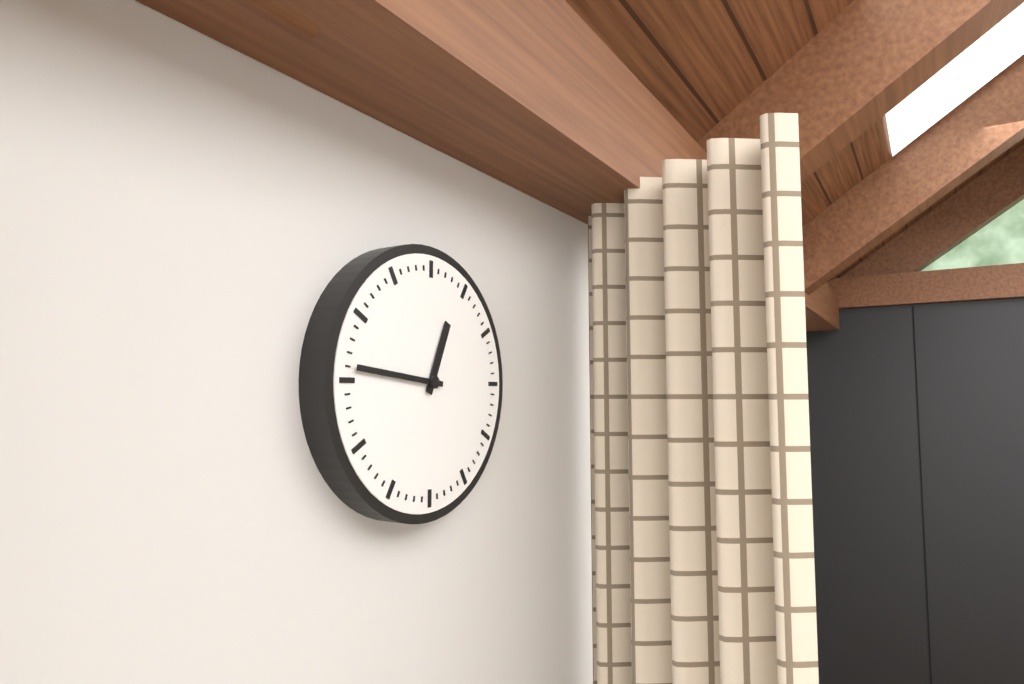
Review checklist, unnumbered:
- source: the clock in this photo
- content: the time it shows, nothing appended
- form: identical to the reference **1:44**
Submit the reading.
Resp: **12:46**
